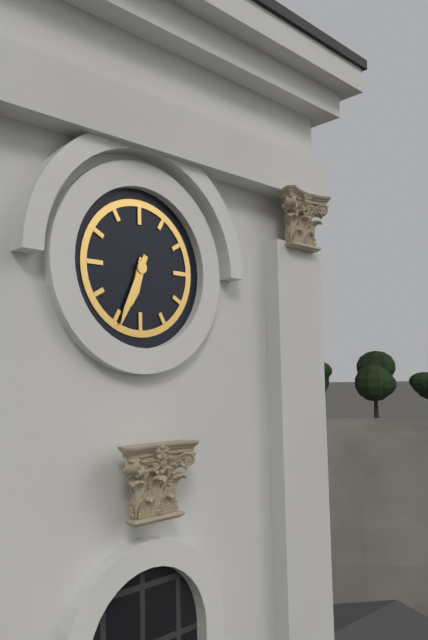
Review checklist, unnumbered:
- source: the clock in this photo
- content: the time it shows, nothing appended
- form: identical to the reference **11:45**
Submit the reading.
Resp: **6:34**
